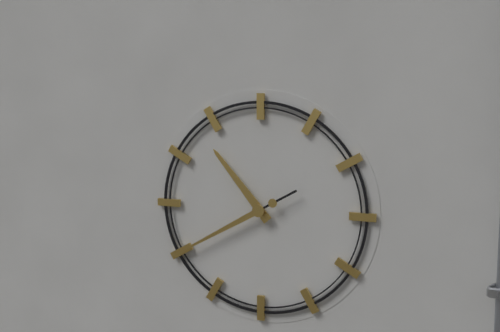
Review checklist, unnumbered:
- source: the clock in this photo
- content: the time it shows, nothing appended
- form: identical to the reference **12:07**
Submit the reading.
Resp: **10:40**
